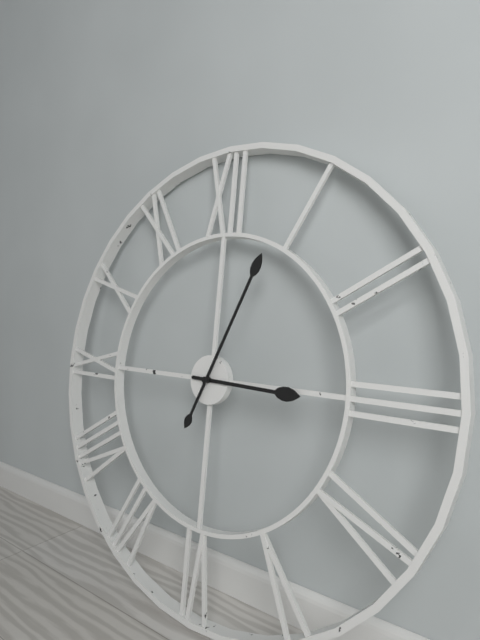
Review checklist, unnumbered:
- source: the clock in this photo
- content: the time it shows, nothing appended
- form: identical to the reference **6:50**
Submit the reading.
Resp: **3:04**
